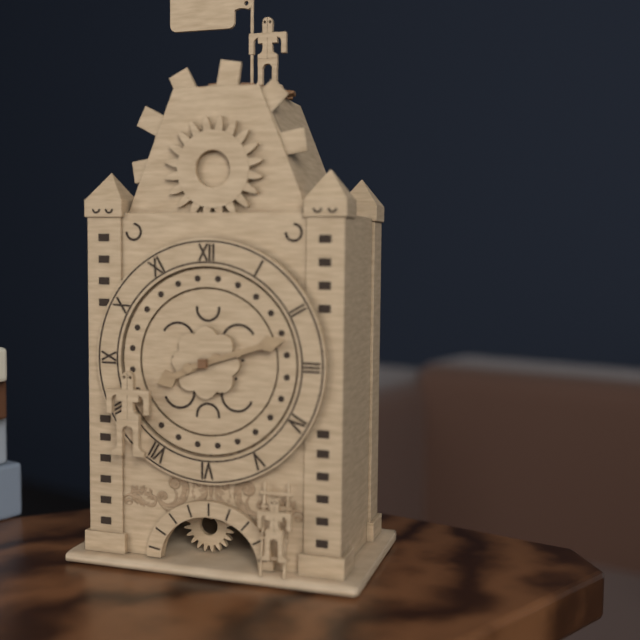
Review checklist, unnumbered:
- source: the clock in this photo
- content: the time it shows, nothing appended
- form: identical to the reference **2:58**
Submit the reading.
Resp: **8:12**
